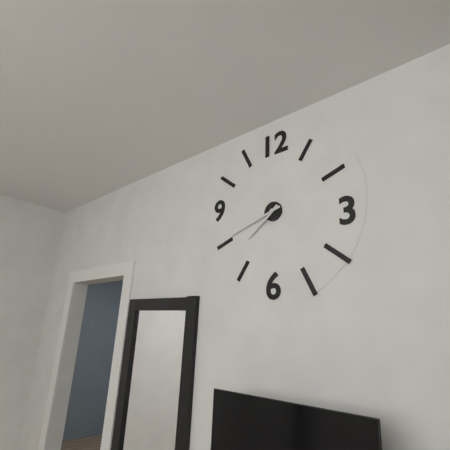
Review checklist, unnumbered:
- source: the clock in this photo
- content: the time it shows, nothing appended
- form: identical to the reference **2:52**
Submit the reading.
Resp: **7:42**
